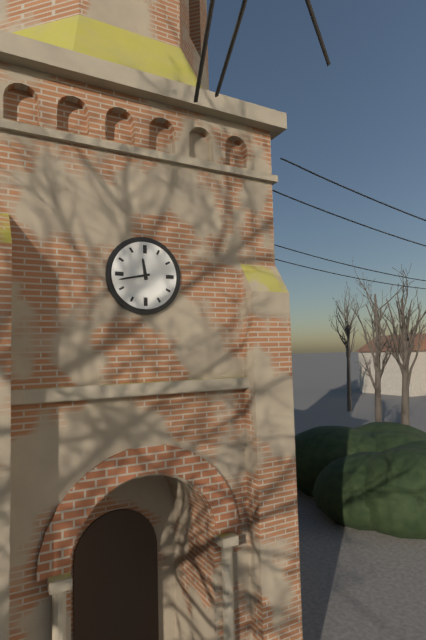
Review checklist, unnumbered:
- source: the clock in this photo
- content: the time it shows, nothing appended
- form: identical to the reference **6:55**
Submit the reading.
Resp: **11:43**
